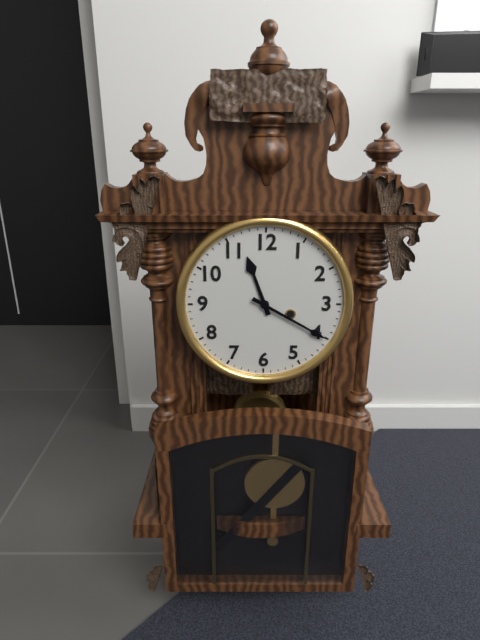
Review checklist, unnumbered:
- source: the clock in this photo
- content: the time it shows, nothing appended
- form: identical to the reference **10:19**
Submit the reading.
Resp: **11:20**
